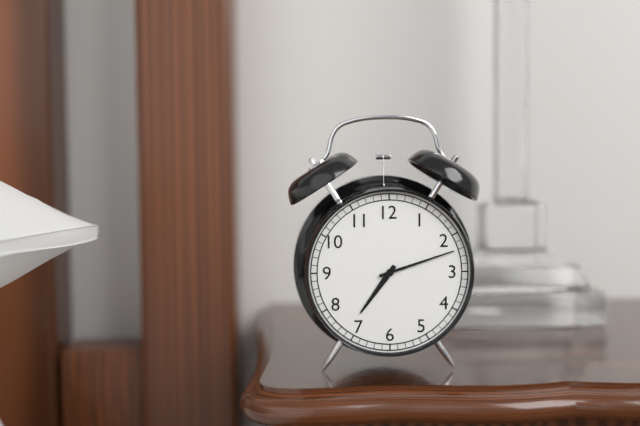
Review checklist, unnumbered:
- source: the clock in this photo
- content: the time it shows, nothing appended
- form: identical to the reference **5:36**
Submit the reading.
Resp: **7:12**
